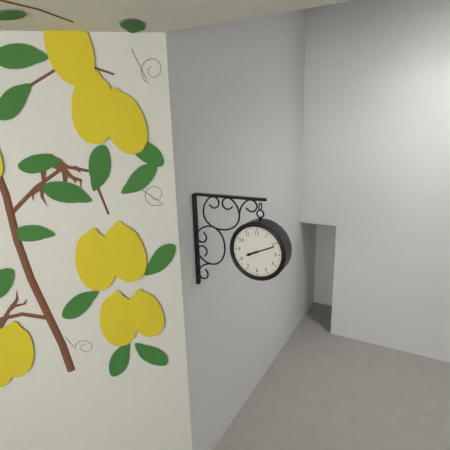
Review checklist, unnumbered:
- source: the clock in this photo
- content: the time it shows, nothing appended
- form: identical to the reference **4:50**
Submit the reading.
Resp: **8:11**
